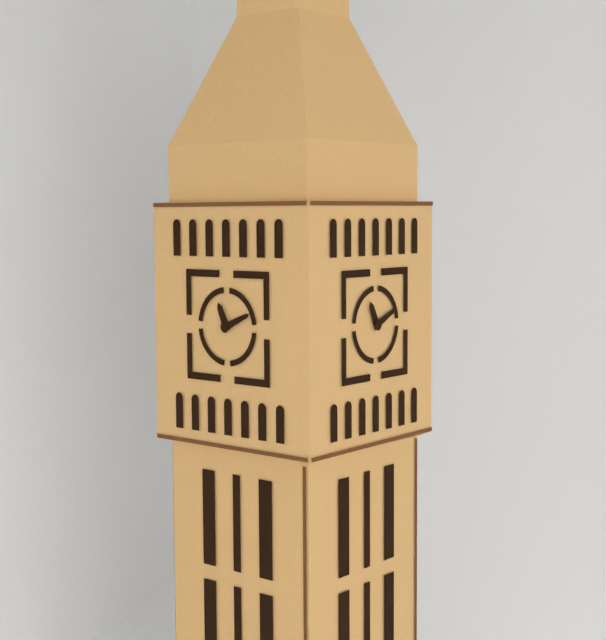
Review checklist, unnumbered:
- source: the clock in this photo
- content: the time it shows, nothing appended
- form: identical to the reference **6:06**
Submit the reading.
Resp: **11:11**
